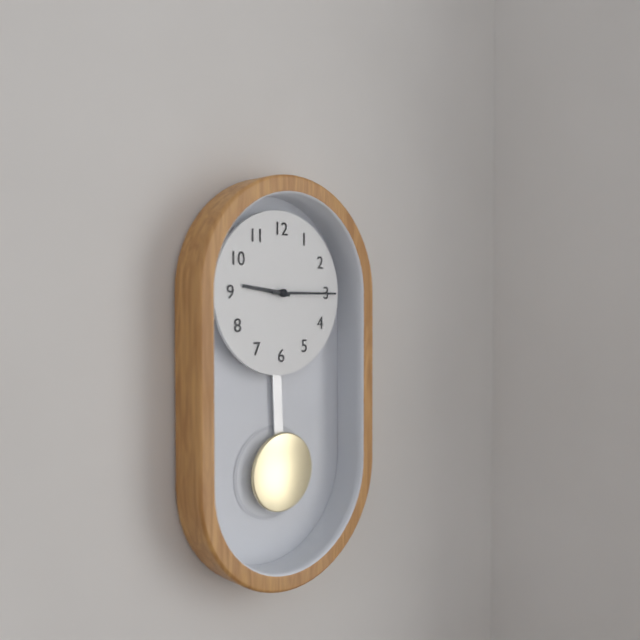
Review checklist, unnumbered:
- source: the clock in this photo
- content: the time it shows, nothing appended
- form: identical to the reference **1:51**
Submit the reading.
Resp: **9:15**
